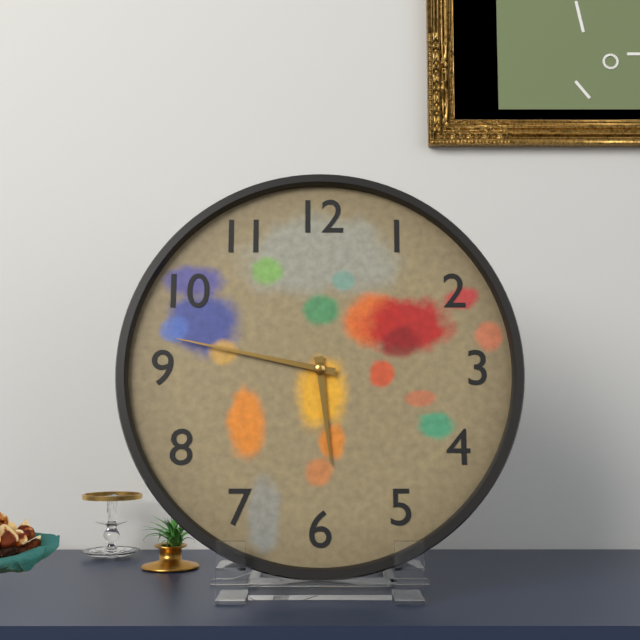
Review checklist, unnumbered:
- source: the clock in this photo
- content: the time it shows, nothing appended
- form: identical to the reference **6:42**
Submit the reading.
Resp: **5:47**
